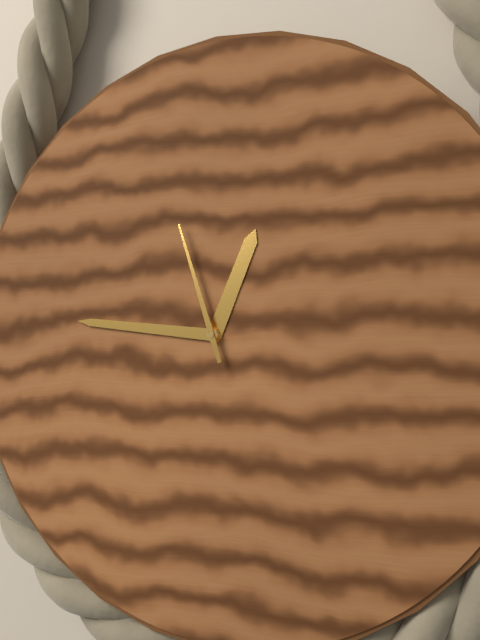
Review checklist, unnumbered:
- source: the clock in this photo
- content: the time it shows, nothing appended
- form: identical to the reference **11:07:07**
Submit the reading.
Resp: **12:46:57**
